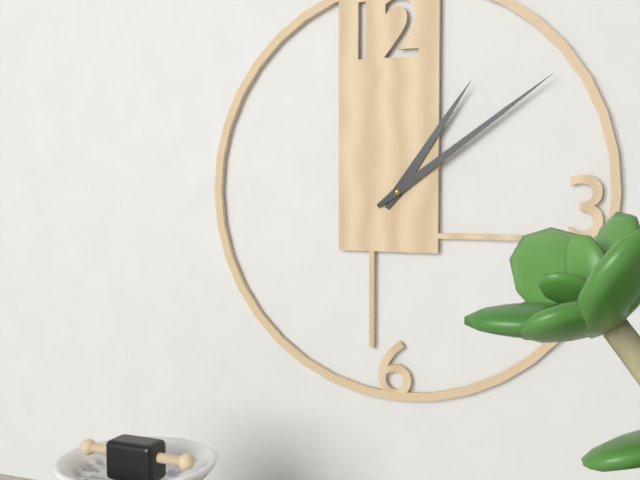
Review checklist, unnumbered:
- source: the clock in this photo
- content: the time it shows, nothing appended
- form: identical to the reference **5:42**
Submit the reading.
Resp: **1:09**
